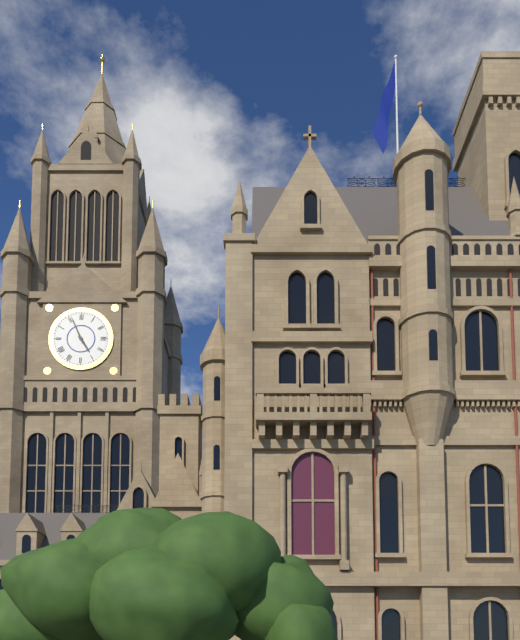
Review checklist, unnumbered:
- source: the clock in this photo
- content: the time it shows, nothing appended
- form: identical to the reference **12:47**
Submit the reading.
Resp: **4:56**
